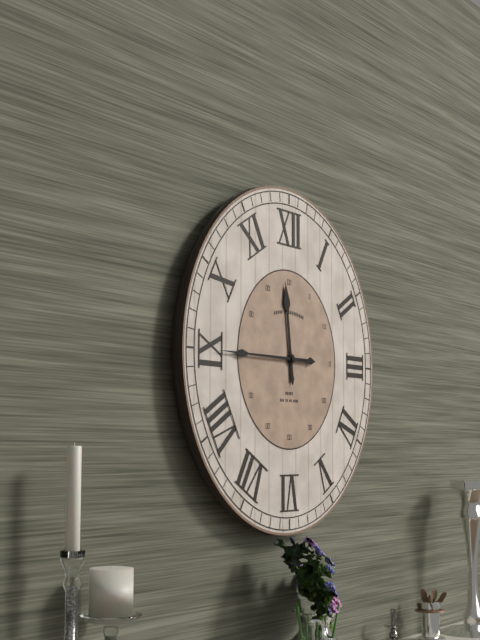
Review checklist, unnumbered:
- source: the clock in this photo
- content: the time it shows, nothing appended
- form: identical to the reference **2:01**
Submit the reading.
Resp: **11:45**
